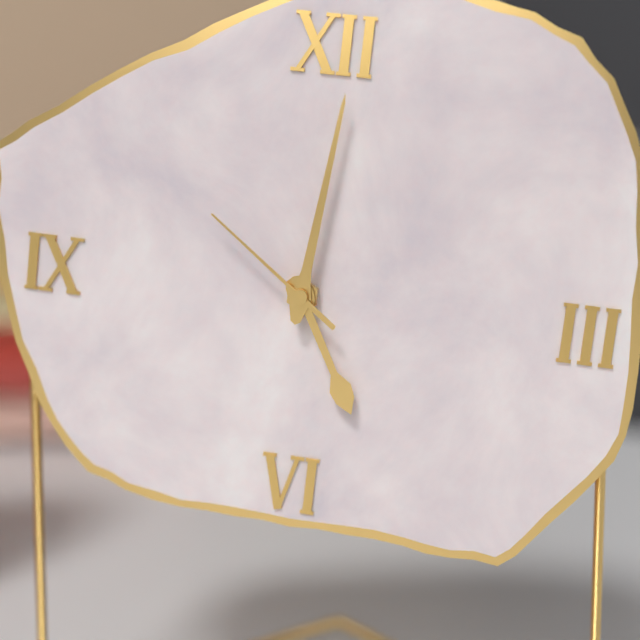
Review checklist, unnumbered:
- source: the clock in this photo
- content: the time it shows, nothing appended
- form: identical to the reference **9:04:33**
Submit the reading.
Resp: **5:01:51**
